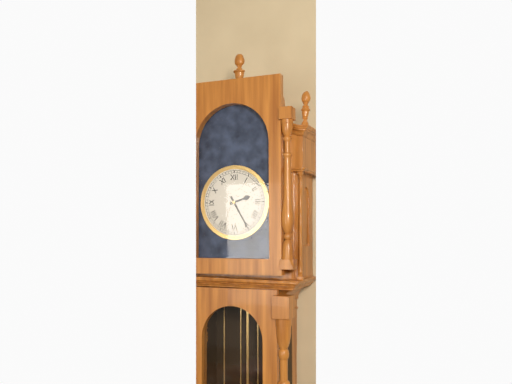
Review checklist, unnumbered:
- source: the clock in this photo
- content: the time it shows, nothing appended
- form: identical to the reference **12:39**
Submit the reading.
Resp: **2:25**
